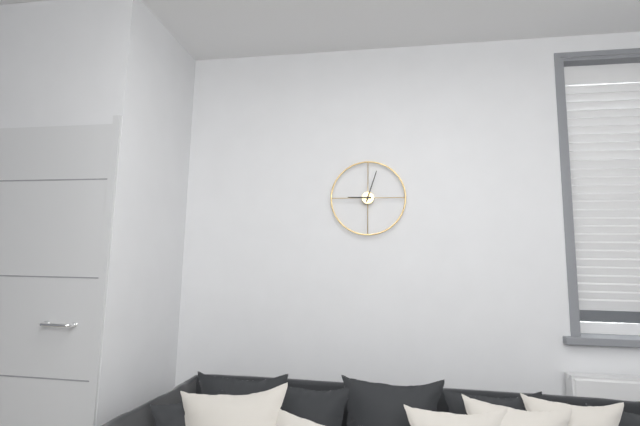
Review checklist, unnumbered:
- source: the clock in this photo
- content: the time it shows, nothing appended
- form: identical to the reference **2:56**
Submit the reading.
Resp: **9:03**
